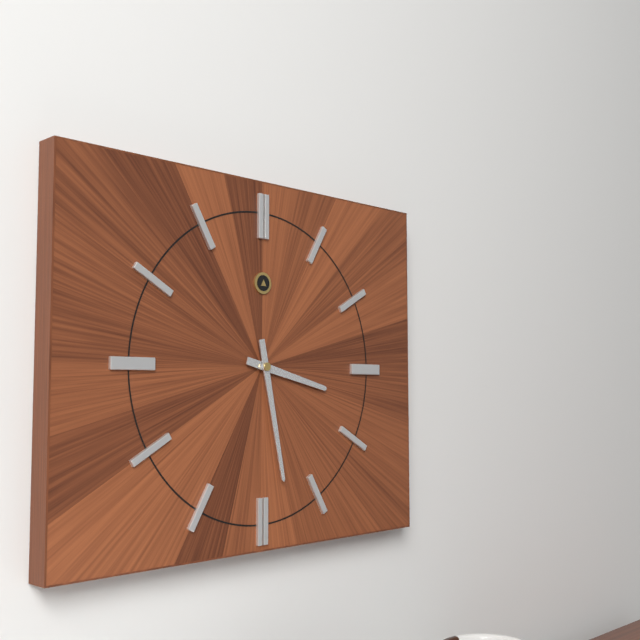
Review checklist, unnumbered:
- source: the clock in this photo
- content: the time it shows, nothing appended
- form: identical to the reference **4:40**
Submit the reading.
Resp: **3:28**
